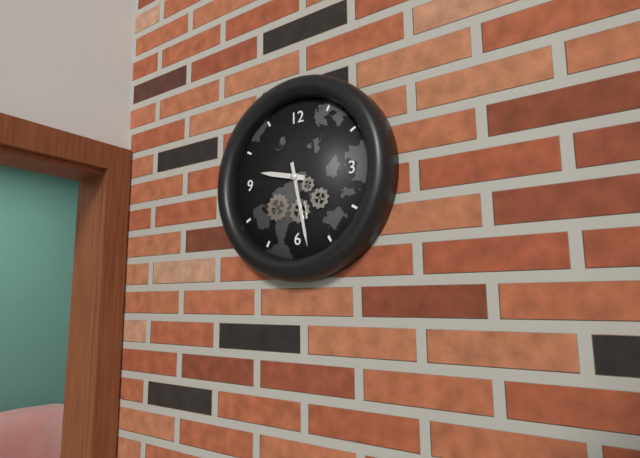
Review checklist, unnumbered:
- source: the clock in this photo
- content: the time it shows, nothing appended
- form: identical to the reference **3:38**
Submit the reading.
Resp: **9:28**
